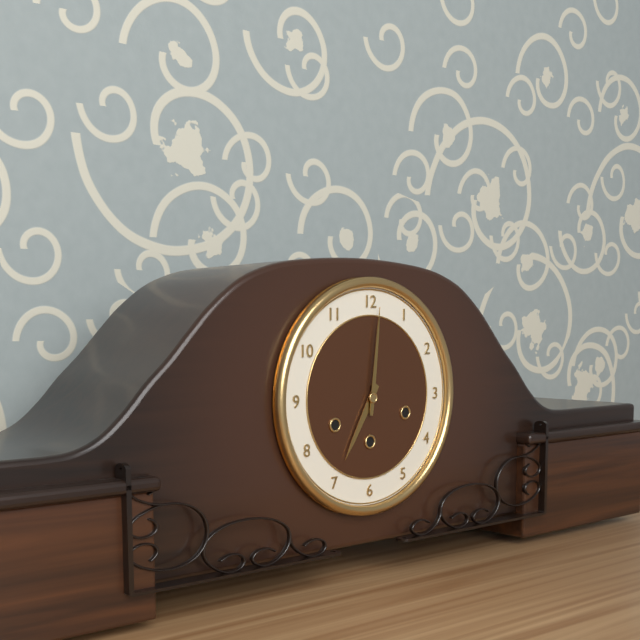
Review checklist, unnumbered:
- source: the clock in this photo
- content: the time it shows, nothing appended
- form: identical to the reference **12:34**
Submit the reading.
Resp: **7:01**
